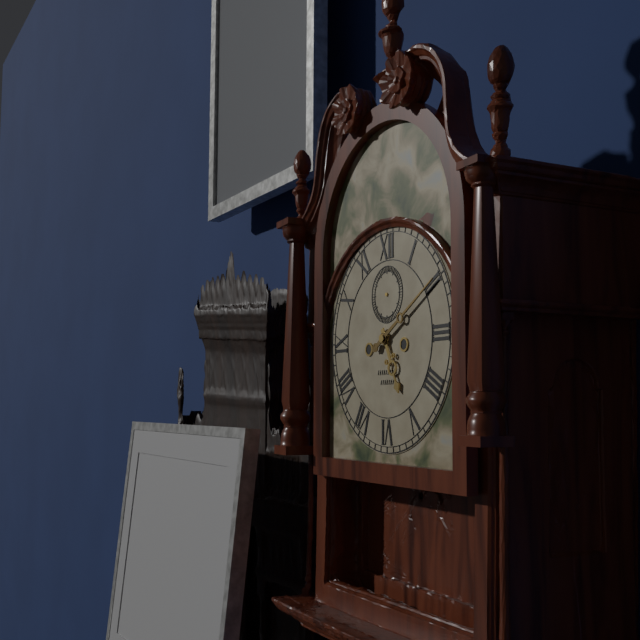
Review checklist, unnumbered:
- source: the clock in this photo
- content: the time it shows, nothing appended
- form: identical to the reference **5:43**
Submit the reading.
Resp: **5:10**
